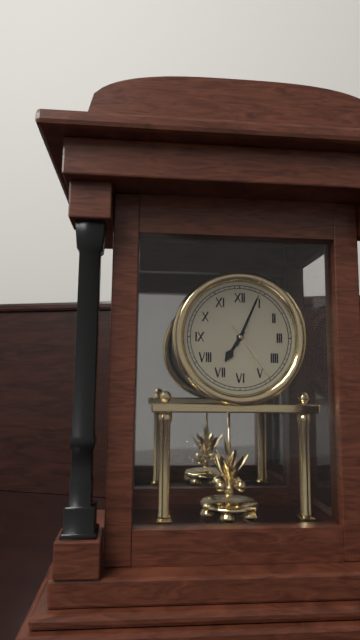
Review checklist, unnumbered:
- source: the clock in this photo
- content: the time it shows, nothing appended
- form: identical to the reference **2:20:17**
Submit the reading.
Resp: **7:04:24**
